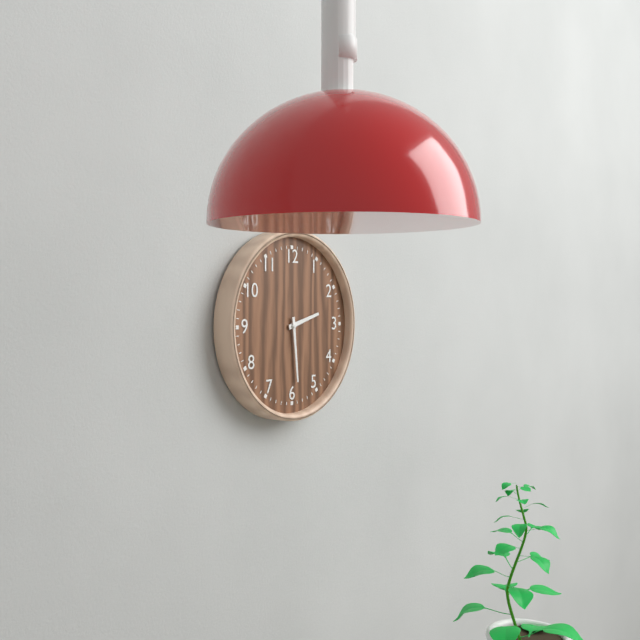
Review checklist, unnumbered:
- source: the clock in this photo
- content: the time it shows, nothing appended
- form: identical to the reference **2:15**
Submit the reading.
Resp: **2:29**
